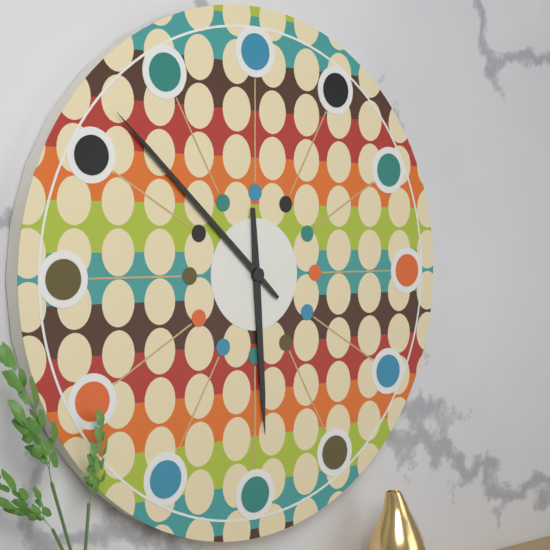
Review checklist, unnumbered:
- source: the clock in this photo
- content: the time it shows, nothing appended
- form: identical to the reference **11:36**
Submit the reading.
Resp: **5:52**
